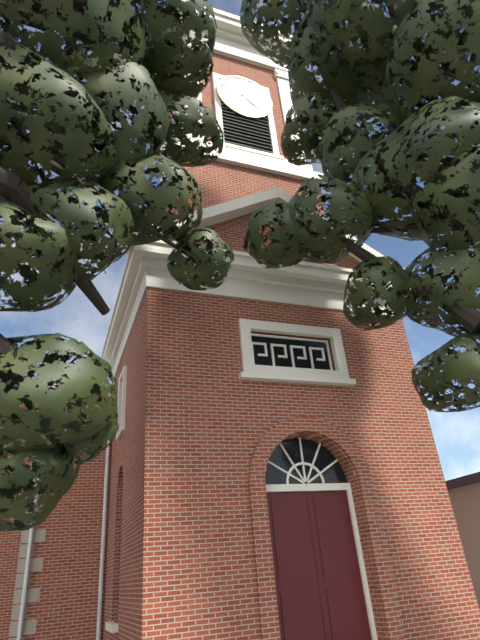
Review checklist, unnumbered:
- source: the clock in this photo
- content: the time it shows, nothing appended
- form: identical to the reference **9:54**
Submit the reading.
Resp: **6:22**
